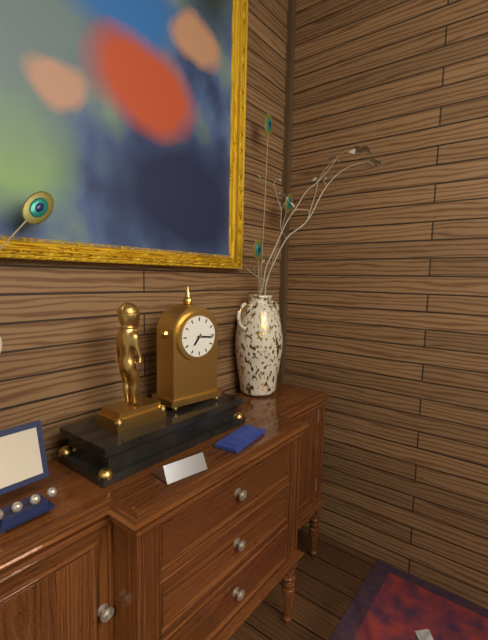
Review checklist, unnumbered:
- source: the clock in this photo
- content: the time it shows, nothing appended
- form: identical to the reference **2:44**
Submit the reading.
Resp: **7:16**
